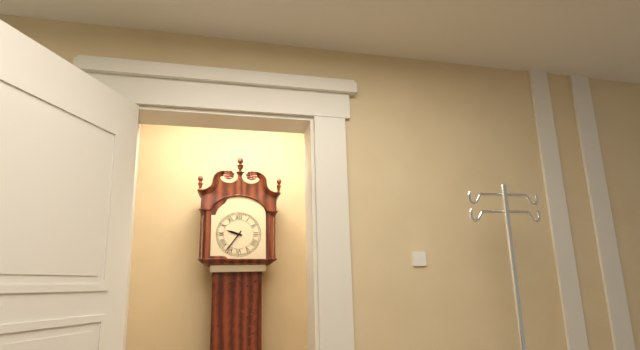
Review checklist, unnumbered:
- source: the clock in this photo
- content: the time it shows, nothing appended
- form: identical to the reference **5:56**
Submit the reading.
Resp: **9:36**
